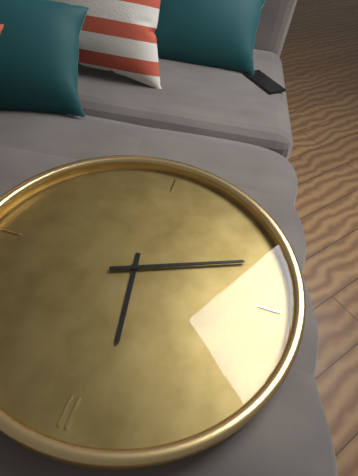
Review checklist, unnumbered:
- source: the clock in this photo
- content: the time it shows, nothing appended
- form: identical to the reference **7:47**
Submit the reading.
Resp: **11:41**
